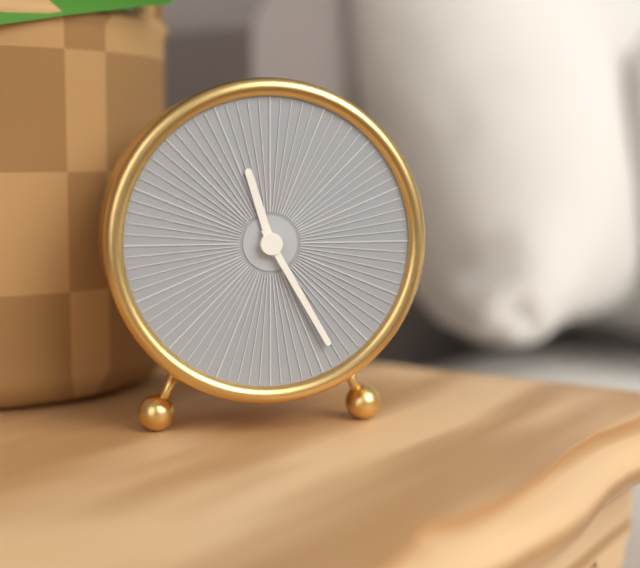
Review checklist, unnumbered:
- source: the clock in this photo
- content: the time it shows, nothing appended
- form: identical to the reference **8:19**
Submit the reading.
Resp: **11:25**
